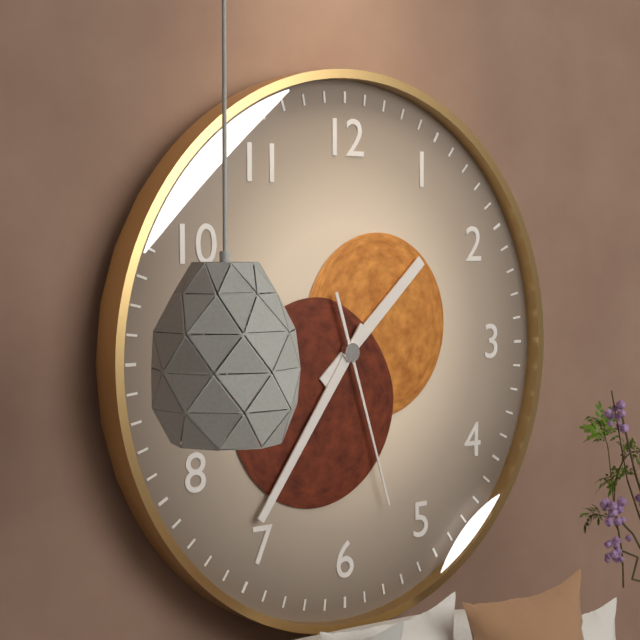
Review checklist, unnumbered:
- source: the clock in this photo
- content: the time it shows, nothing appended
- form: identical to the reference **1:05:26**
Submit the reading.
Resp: **1:36:27**
